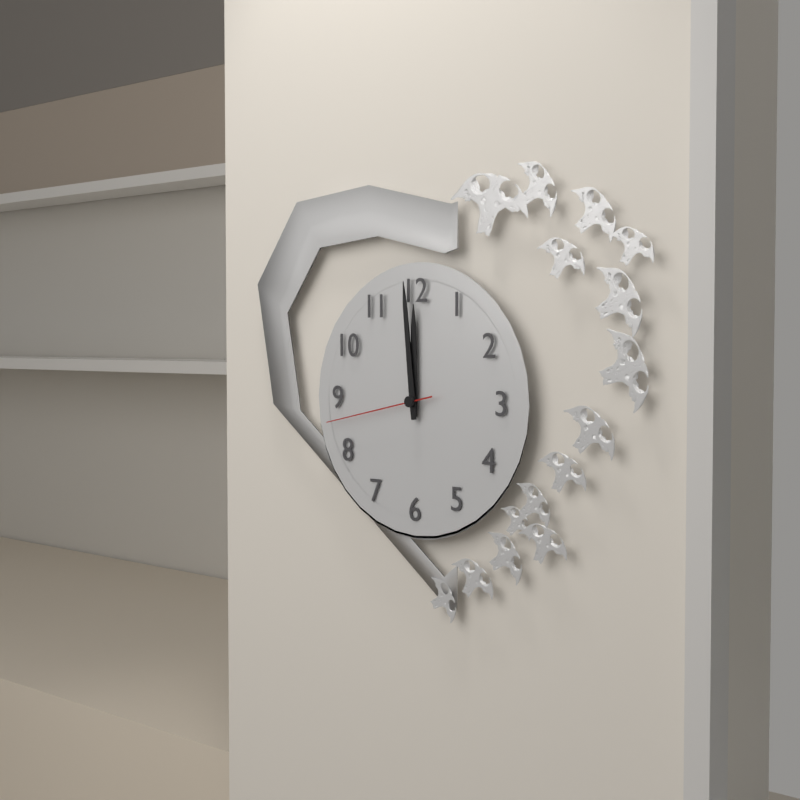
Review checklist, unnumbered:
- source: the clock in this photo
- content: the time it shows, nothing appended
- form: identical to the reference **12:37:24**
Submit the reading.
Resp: **11:59:43**
